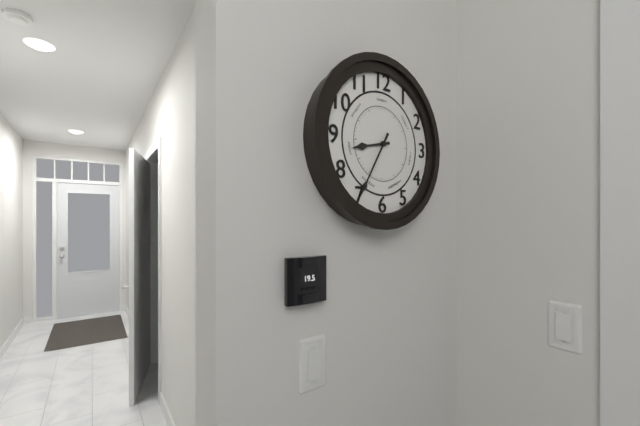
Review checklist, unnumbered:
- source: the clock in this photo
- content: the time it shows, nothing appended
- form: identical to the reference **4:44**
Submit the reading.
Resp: **8:35**
